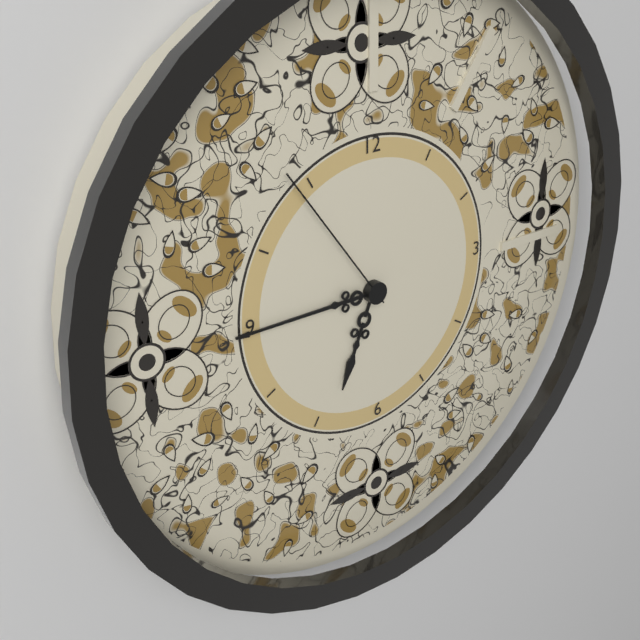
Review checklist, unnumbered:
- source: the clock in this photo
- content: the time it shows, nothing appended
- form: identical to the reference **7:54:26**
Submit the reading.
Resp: **6:45:54**
